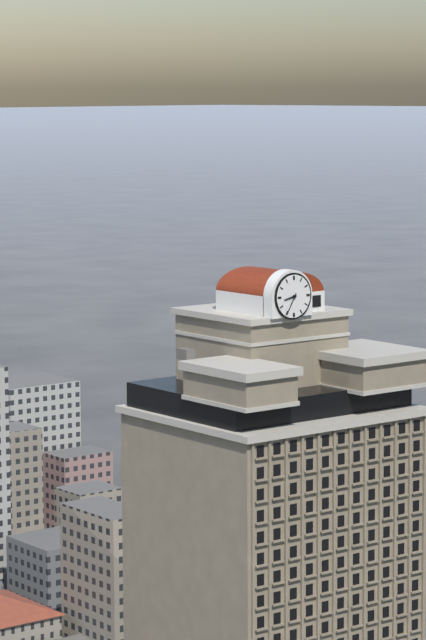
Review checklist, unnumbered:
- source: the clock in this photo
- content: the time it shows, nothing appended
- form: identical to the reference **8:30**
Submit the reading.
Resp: **8:35**
